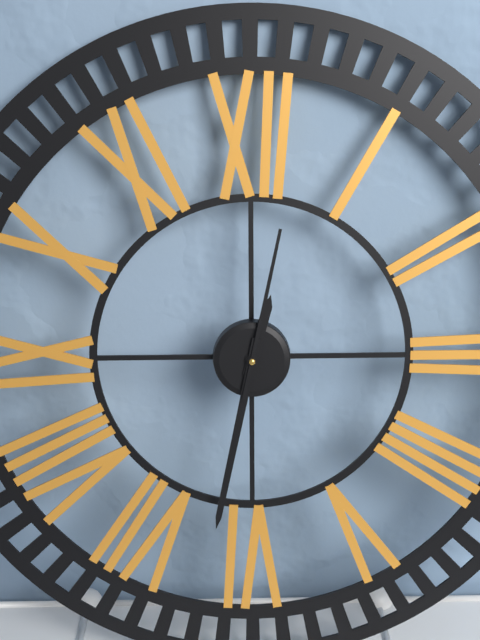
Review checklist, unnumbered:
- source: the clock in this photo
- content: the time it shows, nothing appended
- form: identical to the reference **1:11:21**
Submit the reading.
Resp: **12:32:02**
